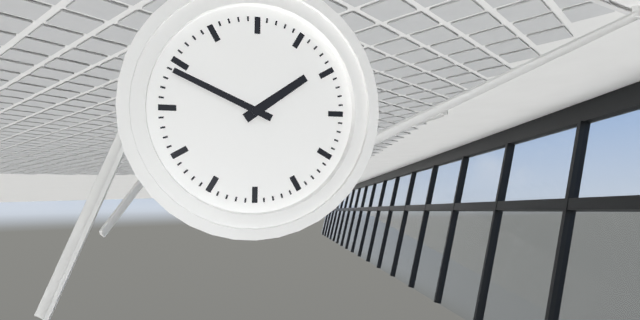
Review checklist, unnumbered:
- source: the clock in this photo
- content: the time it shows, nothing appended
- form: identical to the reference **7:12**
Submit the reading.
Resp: **1:49**
